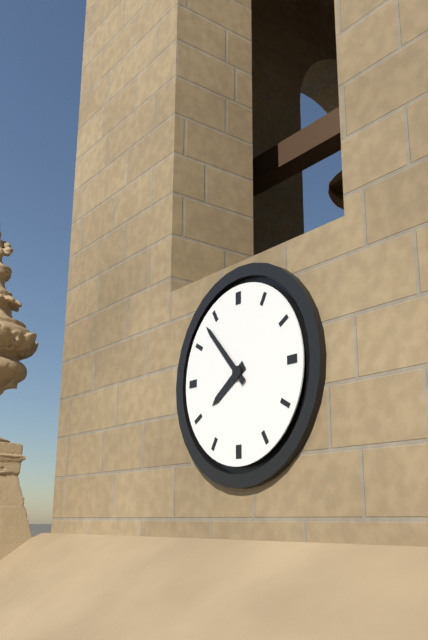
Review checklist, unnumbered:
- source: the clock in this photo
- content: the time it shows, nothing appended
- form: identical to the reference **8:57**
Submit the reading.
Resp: **7:53**
